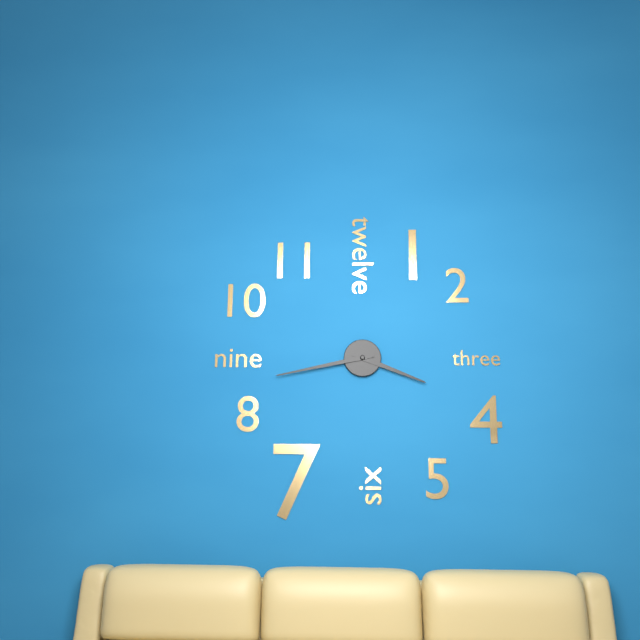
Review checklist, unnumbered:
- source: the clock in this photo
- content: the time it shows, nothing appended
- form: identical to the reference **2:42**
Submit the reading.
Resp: **3:43**
